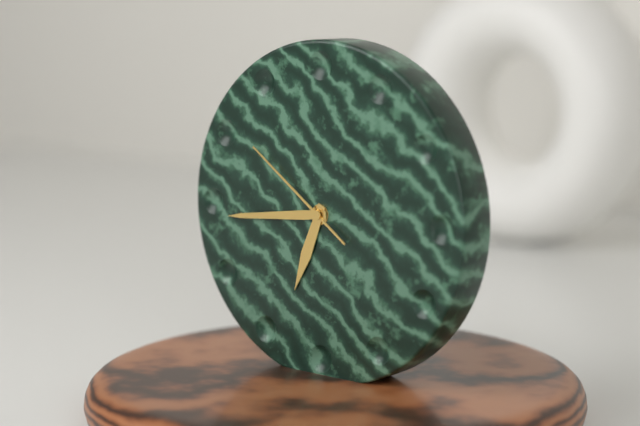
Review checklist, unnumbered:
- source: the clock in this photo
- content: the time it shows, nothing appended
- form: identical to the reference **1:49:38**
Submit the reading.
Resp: **6:44:51**
